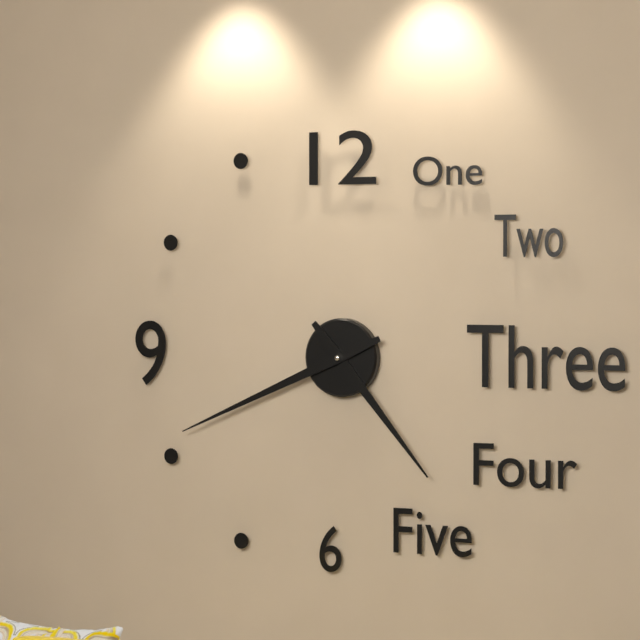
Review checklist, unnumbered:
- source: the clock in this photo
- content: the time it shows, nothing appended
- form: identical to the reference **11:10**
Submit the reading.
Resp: **4:41**
